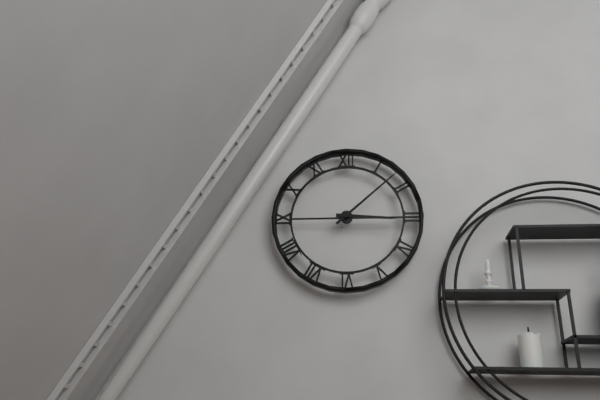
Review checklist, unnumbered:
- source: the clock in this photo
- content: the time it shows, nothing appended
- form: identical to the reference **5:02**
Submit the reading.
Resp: **3:08**
